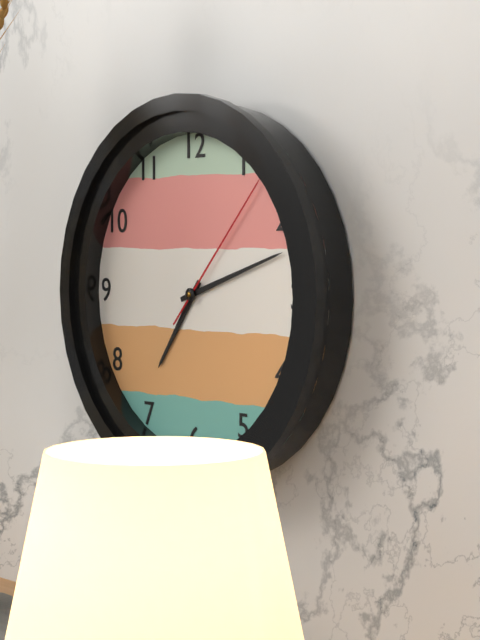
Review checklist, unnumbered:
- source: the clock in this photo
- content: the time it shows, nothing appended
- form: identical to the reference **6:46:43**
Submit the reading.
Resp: **7:12:07**
